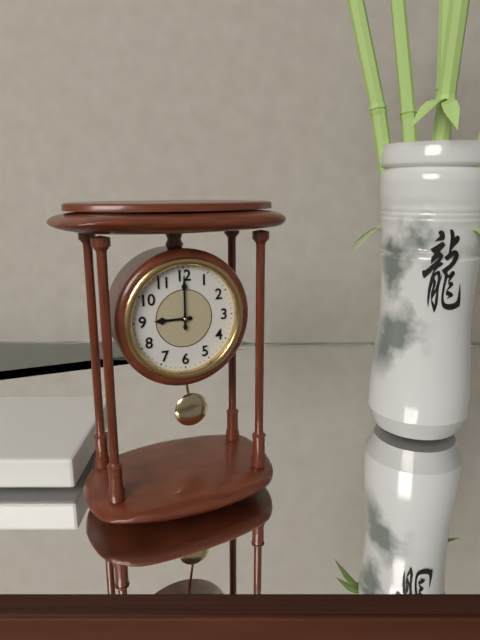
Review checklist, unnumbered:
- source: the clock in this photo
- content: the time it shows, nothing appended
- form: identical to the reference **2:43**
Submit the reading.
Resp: **9:00**
